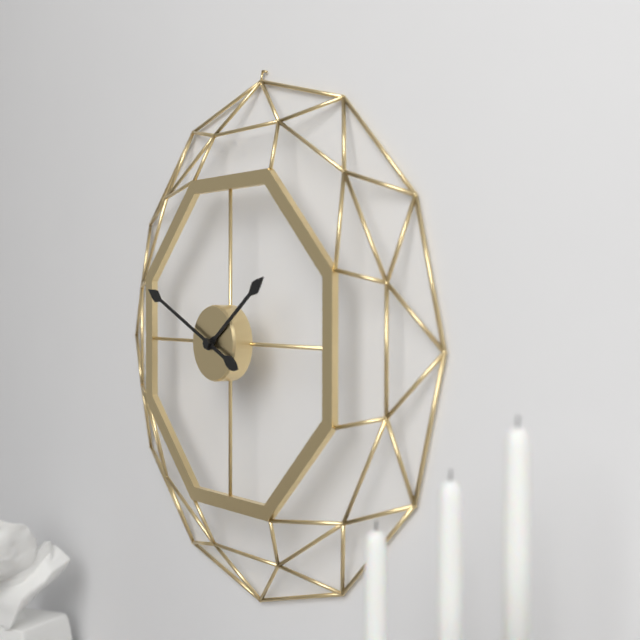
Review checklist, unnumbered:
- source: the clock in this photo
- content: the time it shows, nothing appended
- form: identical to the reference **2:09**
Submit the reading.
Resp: **1:49**
